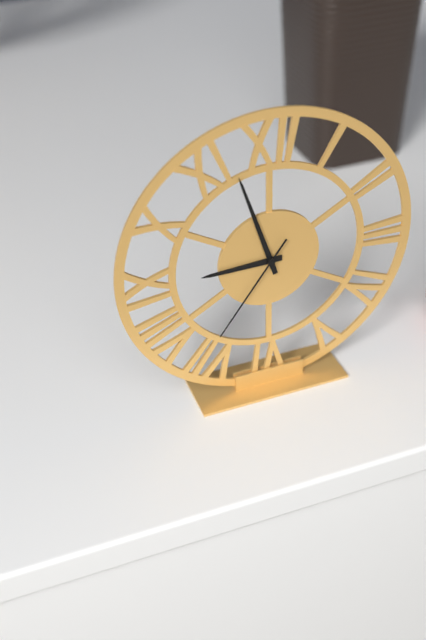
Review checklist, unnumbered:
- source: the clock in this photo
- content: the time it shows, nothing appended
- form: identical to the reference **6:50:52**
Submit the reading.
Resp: **8:57:36**
